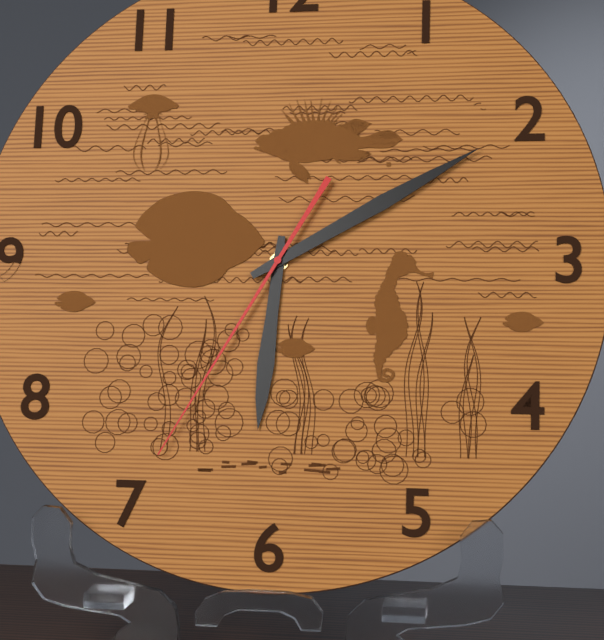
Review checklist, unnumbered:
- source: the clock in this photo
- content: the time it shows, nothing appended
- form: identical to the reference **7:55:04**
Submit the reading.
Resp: **6:10:35**
